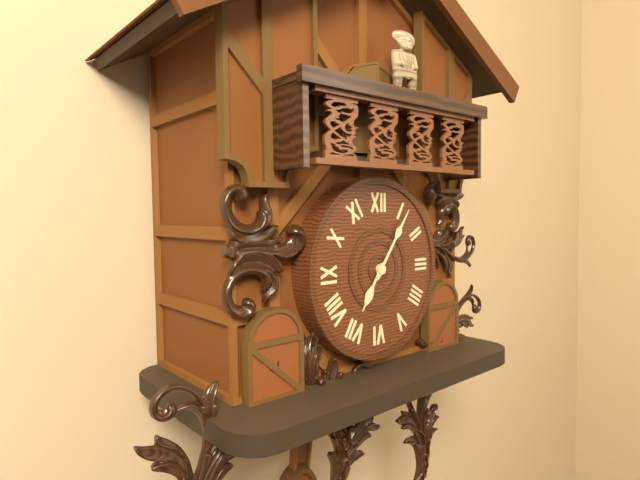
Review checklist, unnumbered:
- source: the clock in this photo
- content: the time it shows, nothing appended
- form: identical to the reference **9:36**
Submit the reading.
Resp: **7:06**
